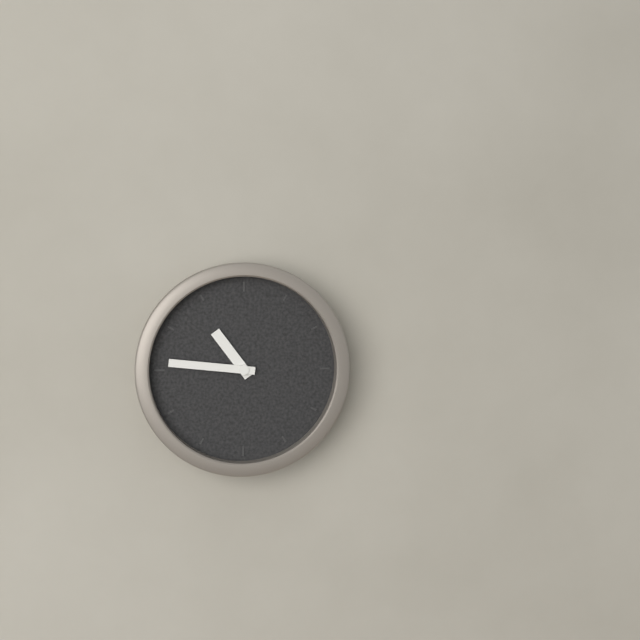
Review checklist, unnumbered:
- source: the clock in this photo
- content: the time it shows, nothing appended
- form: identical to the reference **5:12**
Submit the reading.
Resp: **10:46**
